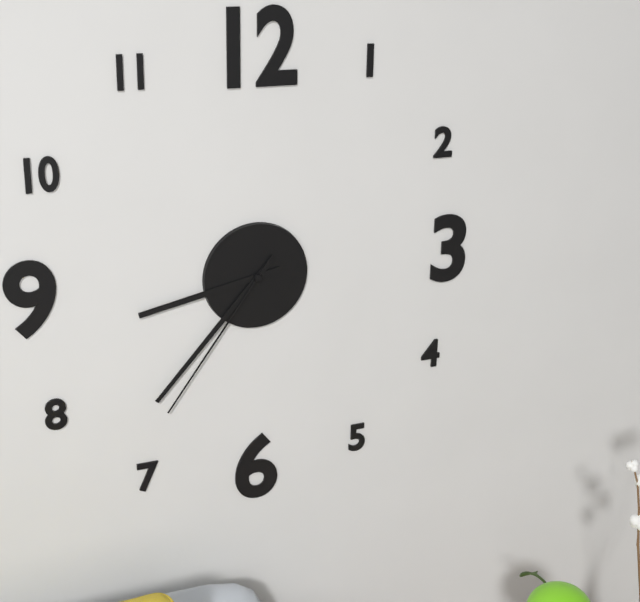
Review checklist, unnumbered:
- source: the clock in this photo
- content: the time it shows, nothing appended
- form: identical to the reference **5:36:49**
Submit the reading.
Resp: **8:37:36**
